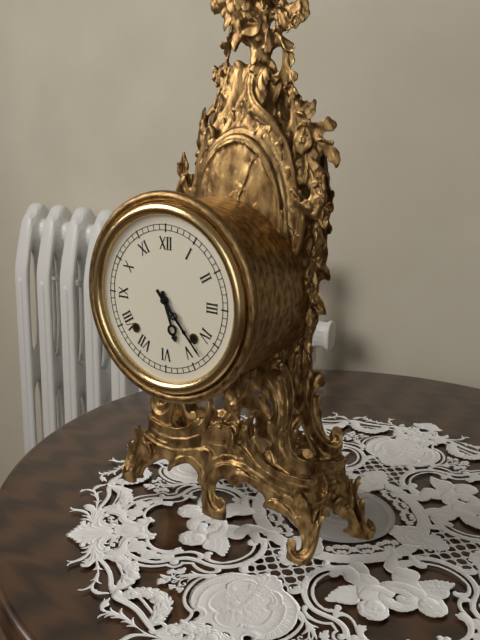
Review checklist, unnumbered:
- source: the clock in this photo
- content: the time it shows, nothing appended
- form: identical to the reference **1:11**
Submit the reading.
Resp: **5:23**
